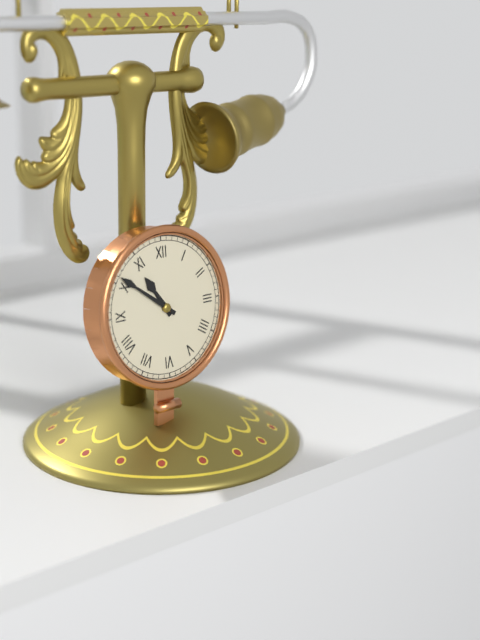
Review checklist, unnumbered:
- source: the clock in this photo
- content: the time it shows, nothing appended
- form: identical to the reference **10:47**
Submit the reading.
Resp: **10:51**
